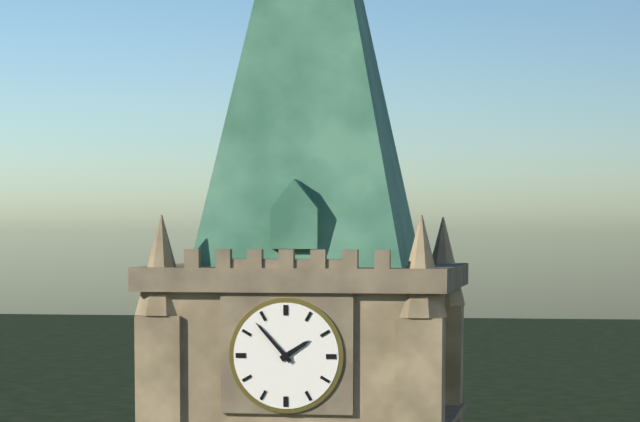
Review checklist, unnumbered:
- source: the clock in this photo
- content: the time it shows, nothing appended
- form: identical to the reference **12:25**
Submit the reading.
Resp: **1:53**
